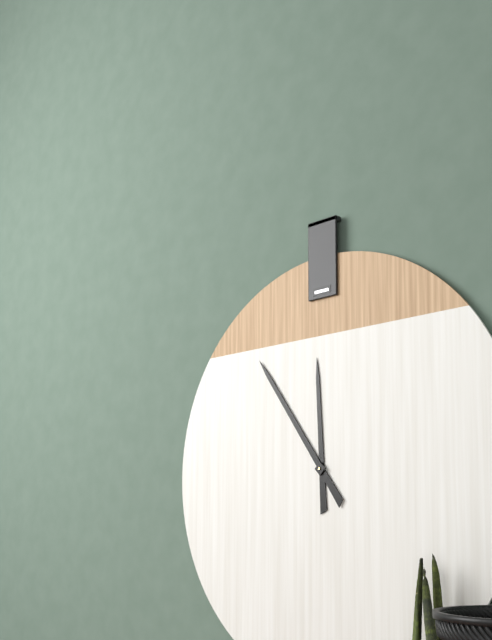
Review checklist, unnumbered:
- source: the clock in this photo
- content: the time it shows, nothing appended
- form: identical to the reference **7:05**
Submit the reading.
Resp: **11:54**
